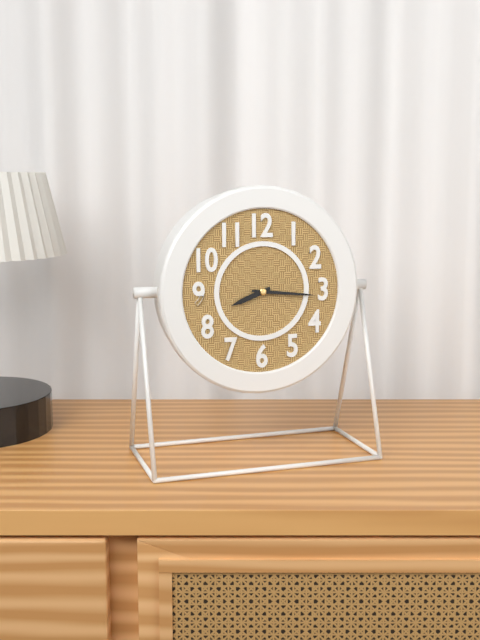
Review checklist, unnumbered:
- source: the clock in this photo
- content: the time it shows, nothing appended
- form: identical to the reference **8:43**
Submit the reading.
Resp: **8:16**
